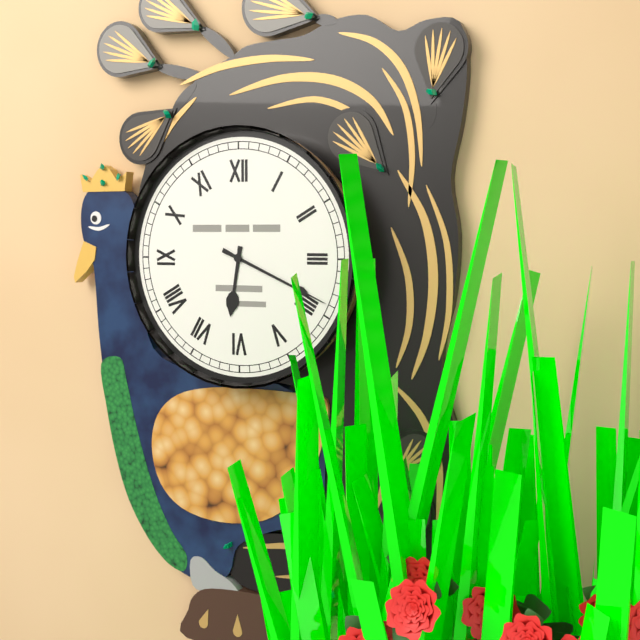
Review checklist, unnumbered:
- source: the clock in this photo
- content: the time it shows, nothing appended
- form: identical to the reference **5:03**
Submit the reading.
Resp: **6:19**
